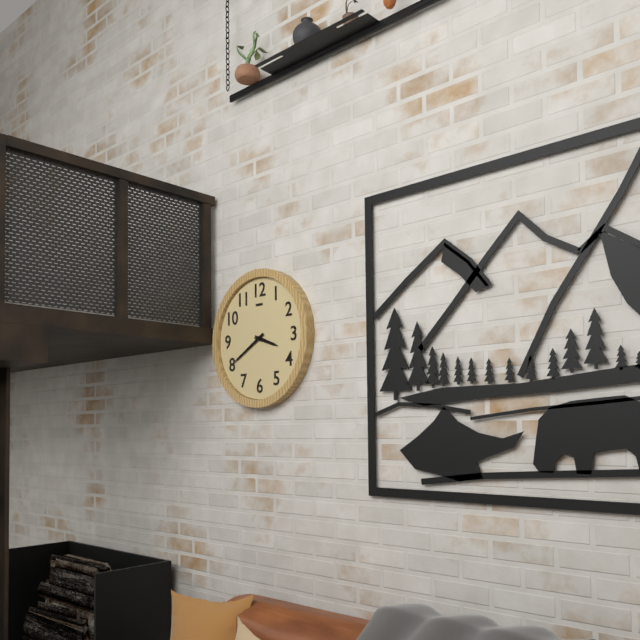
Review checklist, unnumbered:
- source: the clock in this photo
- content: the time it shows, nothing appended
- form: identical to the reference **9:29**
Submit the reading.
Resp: **3:40**
